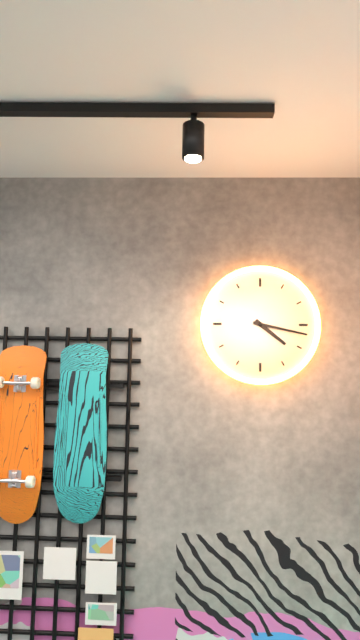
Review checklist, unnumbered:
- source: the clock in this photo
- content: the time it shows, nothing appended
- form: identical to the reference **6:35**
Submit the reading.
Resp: **4:17**
